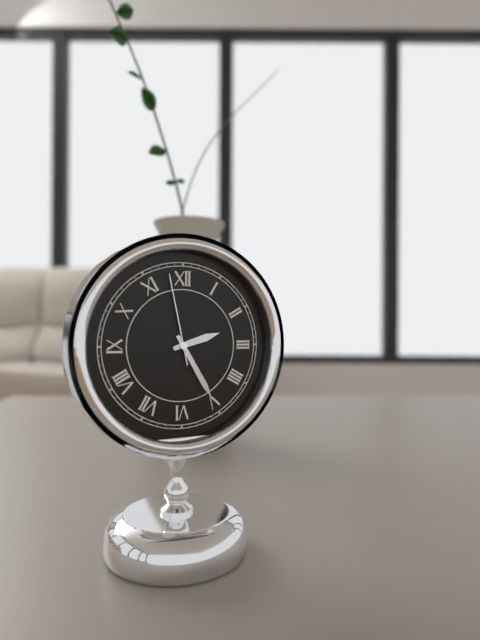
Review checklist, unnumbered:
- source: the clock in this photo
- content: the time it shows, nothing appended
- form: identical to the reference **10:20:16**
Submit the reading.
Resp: **2:25:58**
